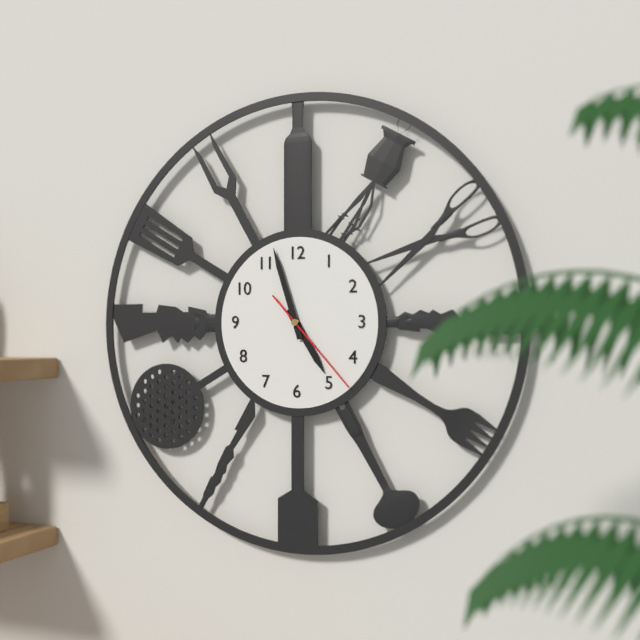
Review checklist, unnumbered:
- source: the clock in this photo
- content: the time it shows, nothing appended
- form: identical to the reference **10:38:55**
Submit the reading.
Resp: **4:57:23**
